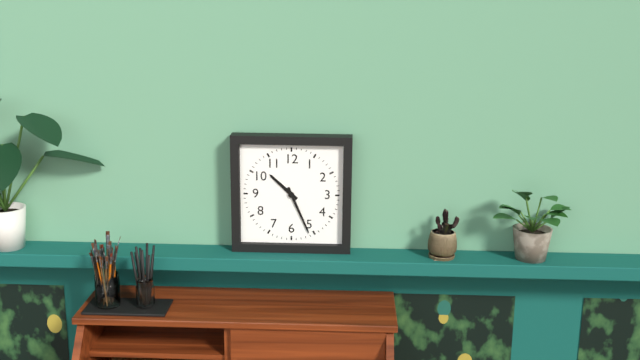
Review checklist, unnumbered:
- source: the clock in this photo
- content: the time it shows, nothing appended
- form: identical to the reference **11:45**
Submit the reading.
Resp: **10:26**
